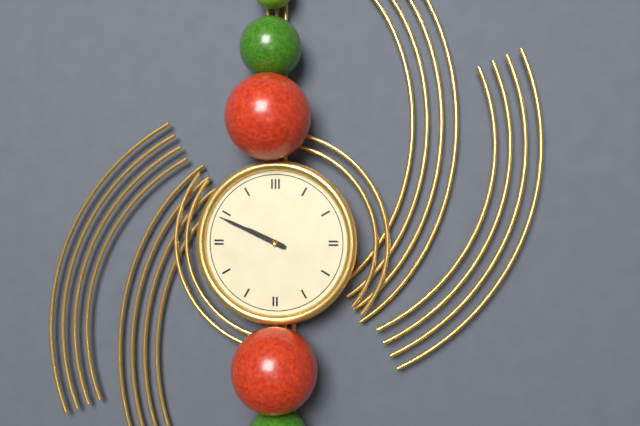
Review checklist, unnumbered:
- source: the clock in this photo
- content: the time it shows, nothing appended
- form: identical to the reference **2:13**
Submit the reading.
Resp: **9:49**
